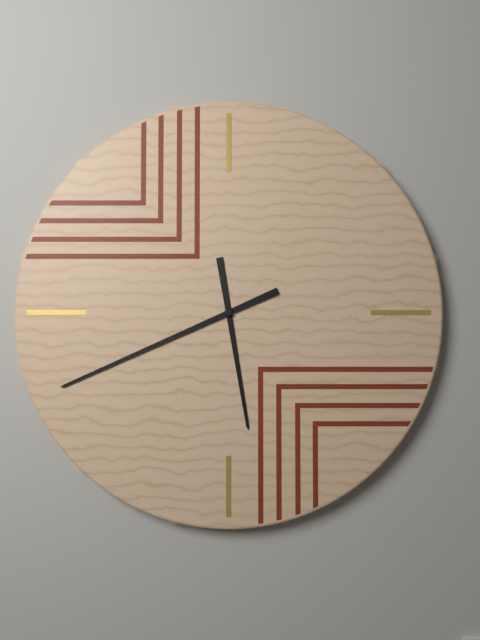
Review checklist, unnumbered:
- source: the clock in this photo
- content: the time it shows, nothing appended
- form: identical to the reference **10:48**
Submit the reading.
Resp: **5:41**
